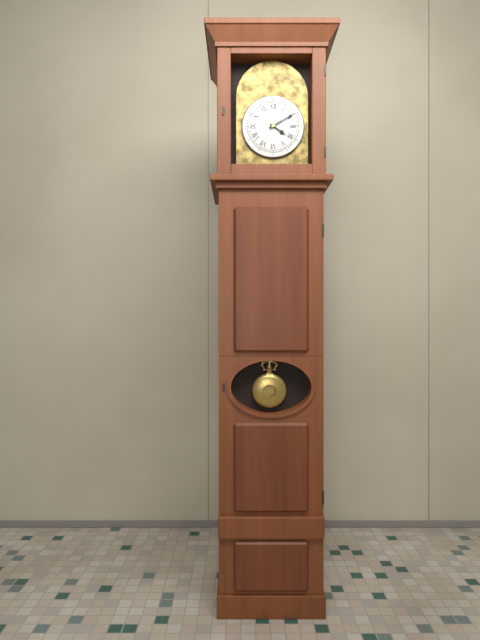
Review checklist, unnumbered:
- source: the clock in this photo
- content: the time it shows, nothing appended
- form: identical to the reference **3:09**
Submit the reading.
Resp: **4:10**
